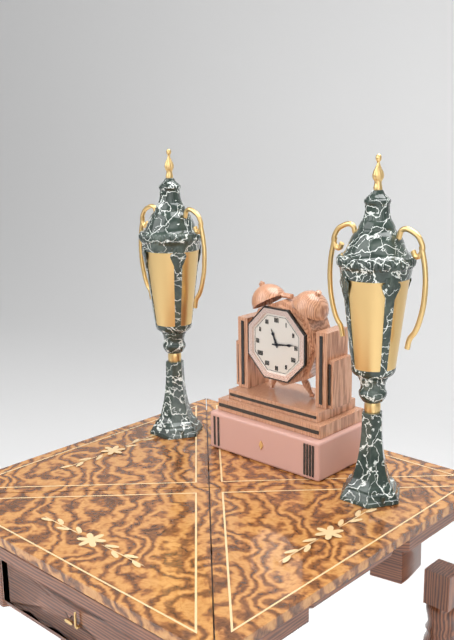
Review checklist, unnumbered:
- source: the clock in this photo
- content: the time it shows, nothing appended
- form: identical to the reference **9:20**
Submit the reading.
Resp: **11:14**
